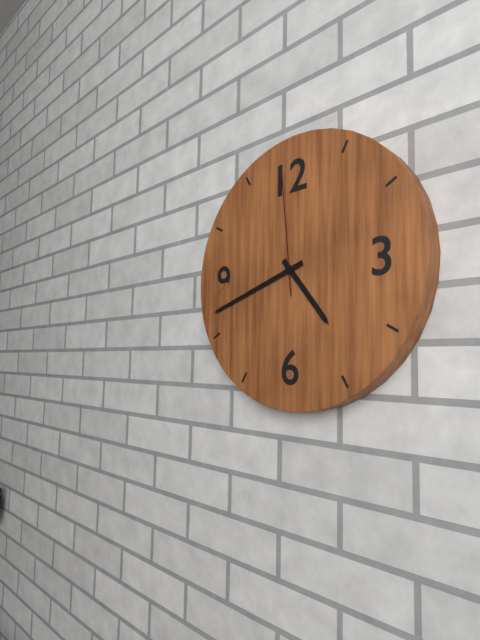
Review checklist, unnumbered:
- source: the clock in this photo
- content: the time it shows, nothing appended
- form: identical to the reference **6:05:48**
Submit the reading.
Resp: **4:42:59**
